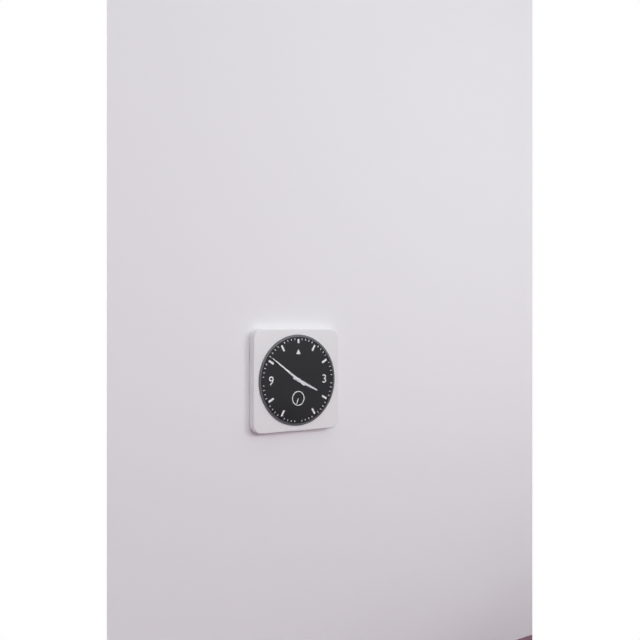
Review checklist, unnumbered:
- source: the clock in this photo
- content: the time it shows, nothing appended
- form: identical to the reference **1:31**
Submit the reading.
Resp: **3:51**
